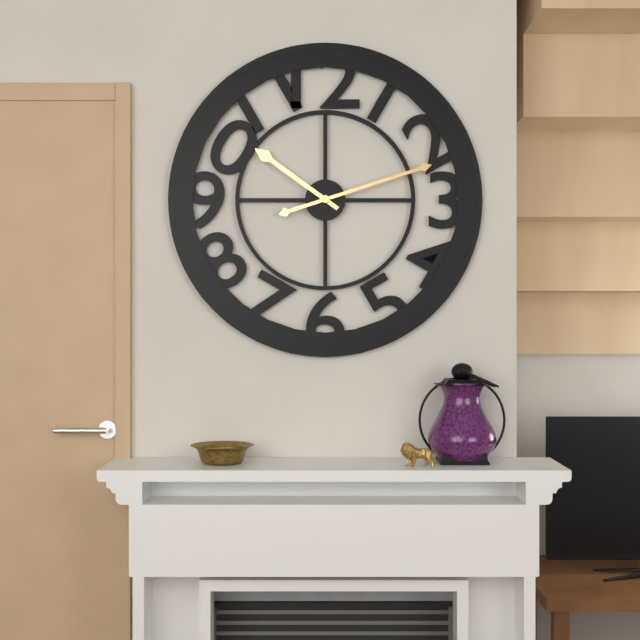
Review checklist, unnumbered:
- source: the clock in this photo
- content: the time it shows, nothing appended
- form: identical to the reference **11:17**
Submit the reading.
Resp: **10:12**
